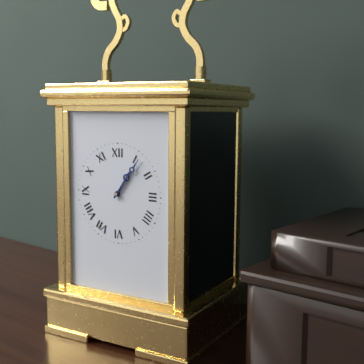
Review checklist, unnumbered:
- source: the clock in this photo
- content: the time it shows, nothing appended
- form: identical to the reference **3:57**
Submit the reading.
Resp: **1:06**
